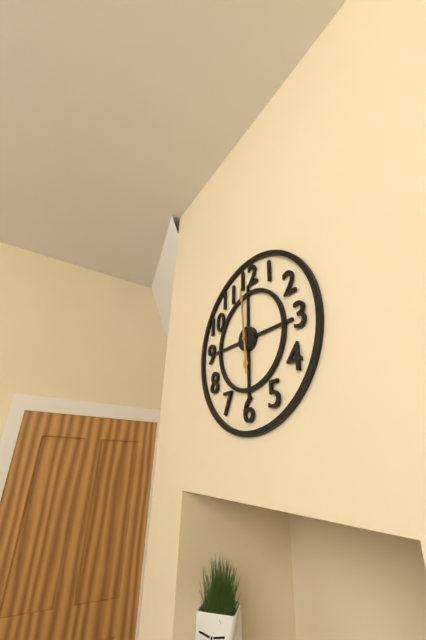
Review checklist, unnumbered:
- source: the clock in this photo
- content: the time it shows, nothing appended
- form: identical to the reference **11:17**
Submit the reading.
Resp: **5:59**
